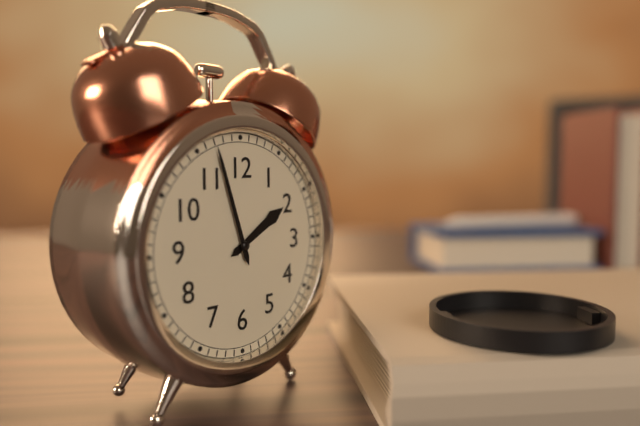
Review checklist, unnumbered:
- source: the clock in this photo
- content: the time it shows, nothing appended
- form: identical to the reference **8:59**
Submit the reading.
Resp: **1:57**
